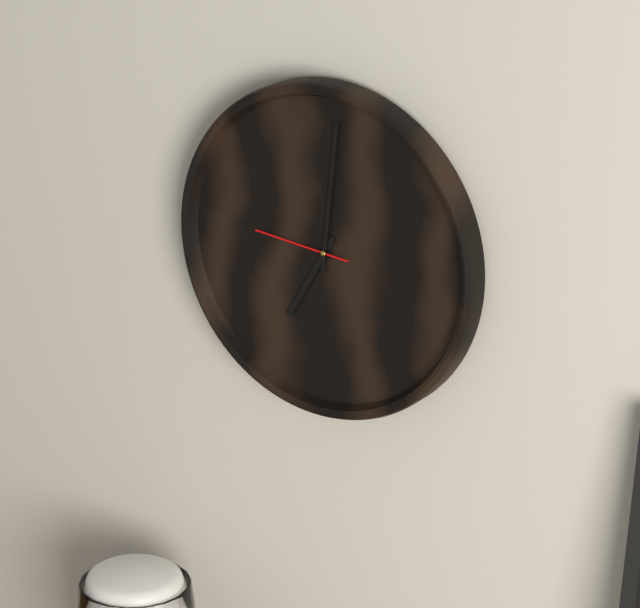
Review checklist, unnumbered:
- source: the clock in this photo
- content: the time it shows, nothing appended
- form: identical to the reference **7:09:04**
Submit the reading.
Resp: **7:01:46**
